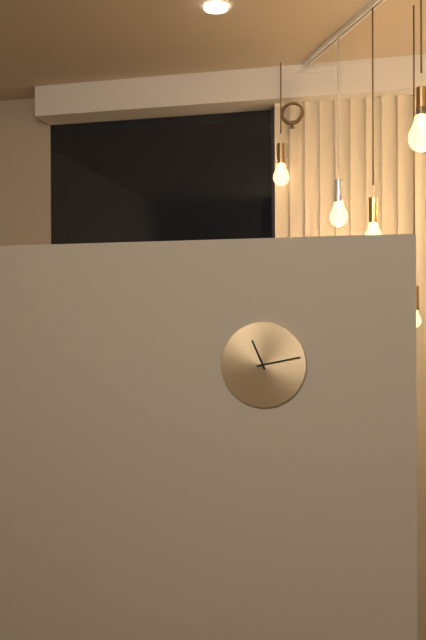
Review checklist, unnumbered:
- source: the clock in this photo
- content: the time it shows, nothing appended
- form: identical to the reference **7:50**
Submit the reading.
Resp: **11:13**
